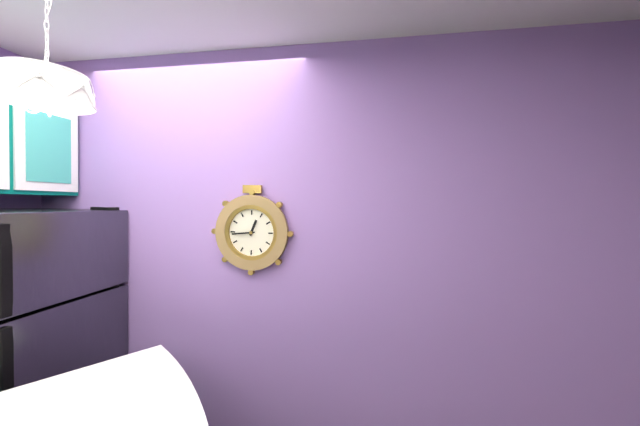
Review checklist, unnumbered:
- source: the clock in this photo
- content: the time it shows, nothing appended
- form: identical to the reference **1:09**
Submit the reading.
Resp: **12:44**
